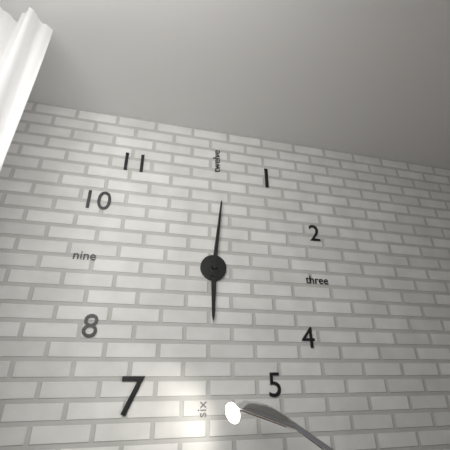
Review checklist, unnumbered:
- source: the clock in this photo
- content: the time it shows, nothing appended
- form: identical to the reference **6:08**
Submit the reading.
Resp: **6:01**
